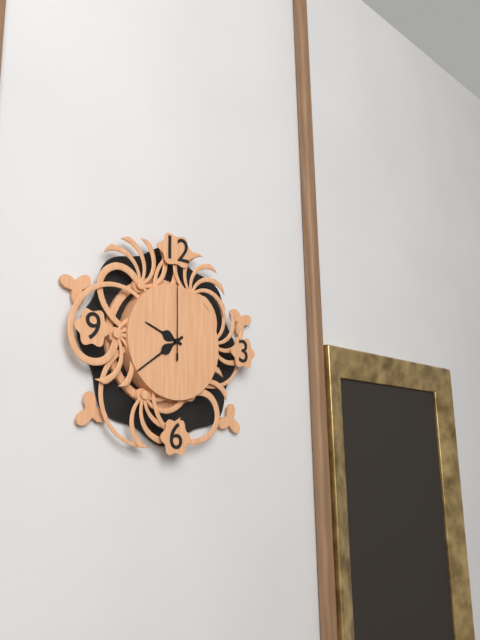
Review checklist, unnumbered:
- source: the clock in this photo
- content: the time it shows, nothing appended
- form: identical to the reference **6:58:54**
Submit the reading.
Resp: **9:39:00**
